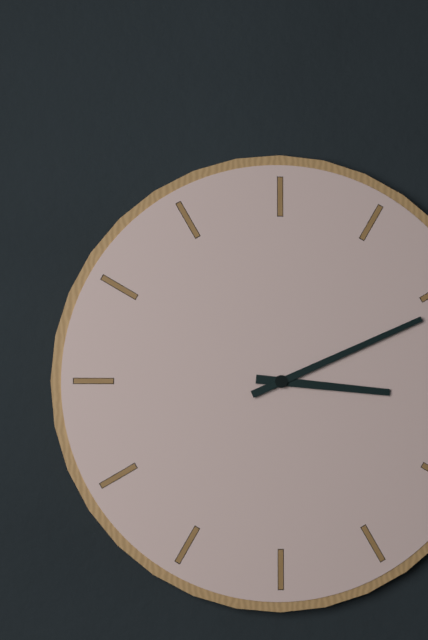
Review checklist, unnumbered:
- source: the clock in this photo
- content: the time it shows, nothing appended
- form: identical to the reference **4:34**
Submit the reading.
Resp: **3:11**
